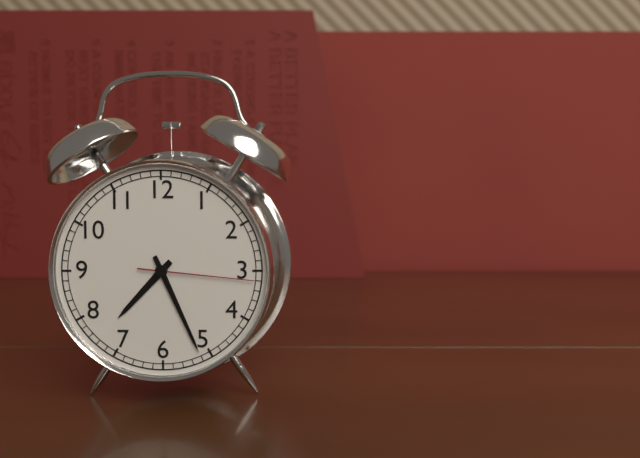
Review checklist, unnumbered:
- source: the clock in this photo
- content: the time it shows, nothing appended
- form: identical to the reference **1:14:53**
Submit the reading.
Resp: **7:26:16**
